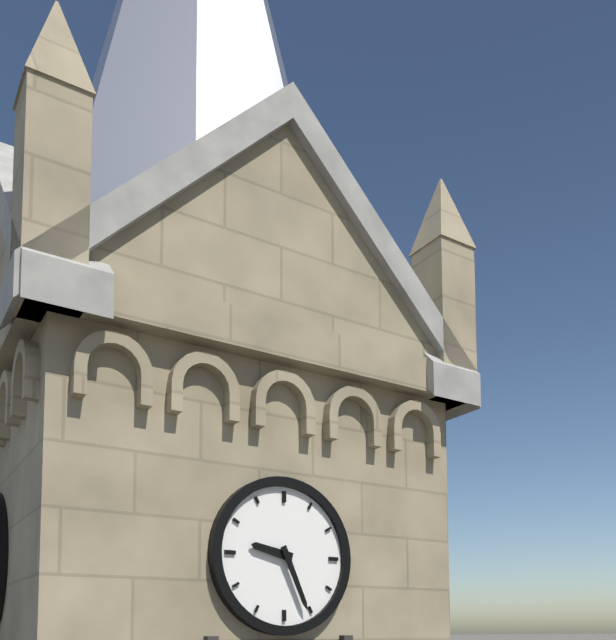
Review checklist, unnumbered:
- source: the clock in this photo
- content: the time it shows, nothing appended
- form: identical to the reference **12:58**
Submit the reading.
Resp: **9:26**
